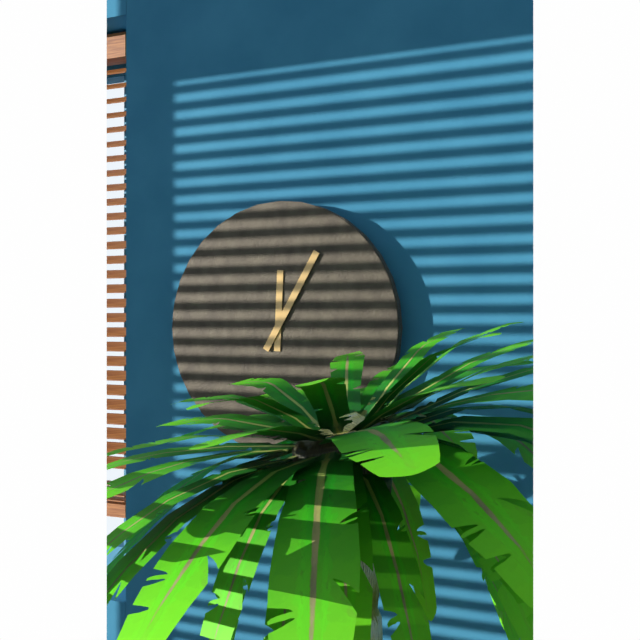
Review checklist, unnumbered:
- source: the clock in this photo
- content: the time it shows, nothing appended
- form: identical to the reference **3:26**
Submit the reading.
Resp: **12:05**
